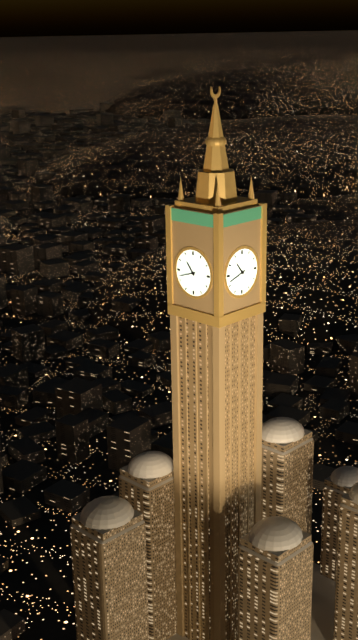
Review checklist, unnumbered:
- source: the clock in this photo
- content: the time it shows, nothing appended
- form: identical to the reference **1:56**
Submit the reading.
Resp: **10:42**
